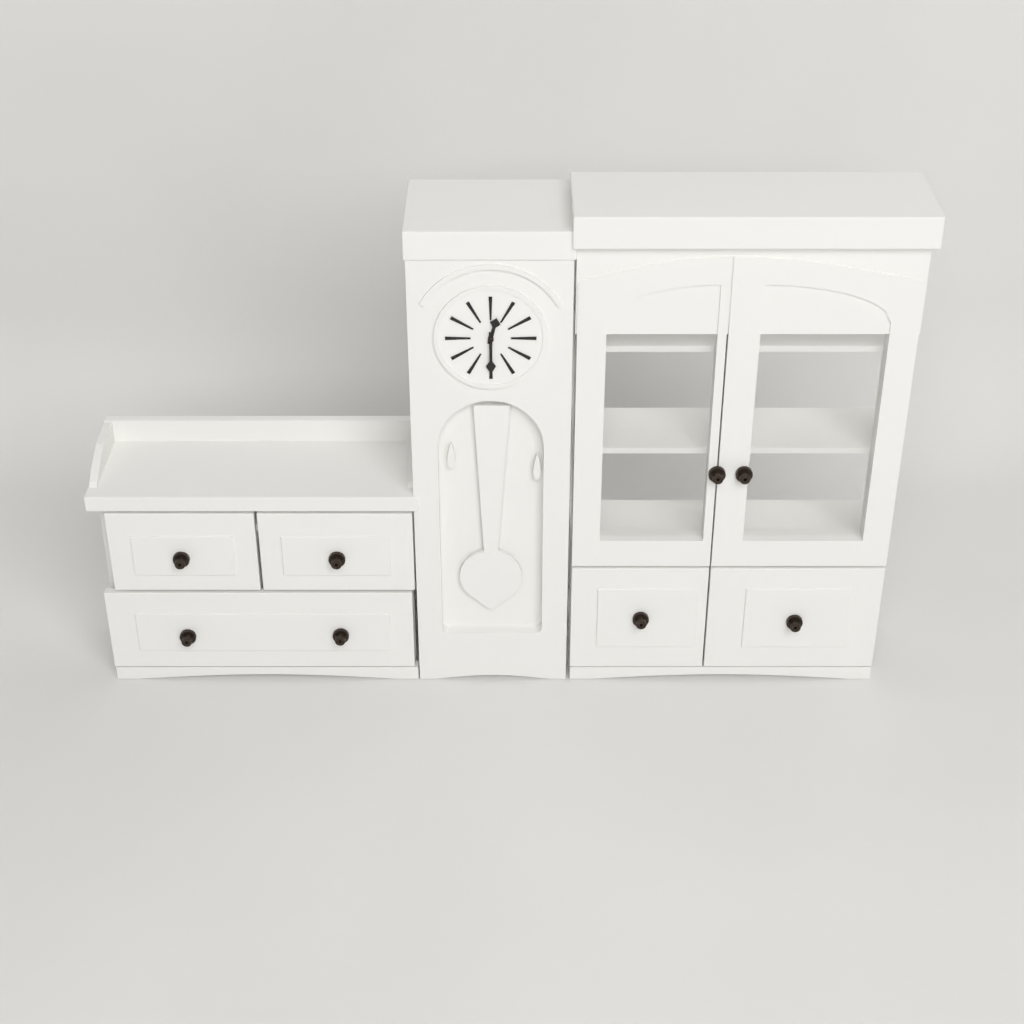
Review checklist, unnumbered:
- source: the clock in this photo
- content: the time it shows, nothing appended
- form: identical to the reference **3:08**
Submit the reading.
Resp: **12:30**
